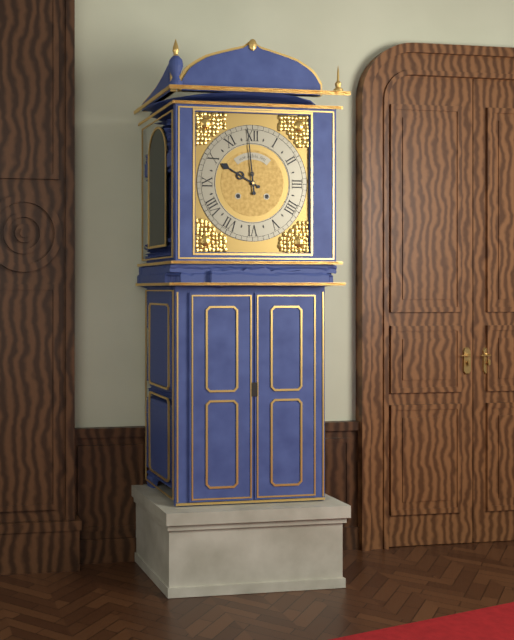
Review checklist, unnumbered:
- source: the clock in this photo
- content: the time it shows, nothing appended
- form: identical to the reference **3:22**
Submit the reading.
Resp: **9:59**
